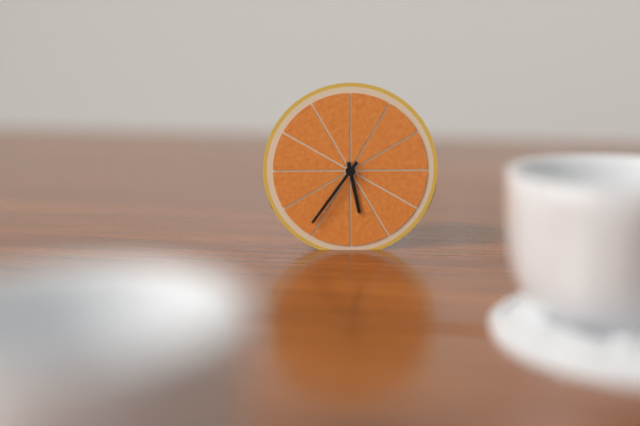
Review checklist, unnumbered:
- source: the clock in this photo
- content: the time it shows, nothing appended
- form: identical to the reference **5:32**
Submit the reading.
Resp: **5:36**
